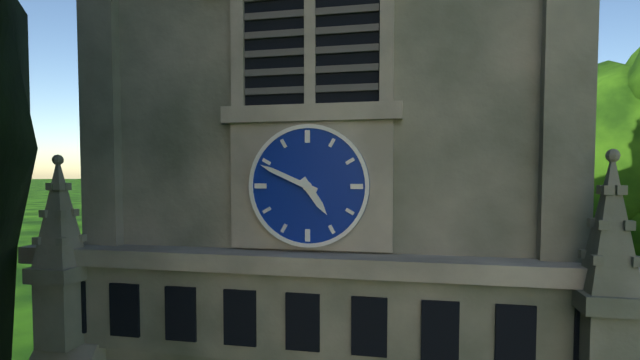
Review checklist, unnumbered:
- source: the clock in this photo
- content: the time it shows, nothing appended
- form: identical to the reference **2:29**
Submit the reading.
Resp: **4:49**
